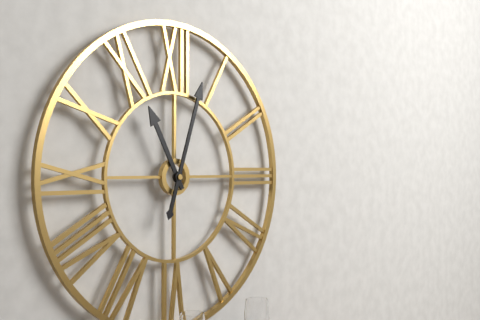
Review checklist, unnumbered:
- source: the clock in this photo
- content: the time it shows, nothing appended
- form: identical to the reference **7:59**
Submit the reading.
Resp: **11:03**
